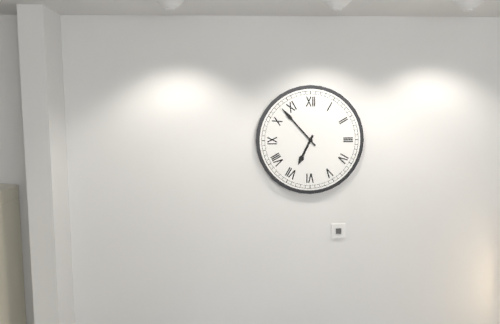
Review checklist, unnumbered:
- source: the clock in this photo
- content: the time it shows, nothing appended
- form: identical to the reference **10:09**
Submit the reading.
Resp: **6:53**
